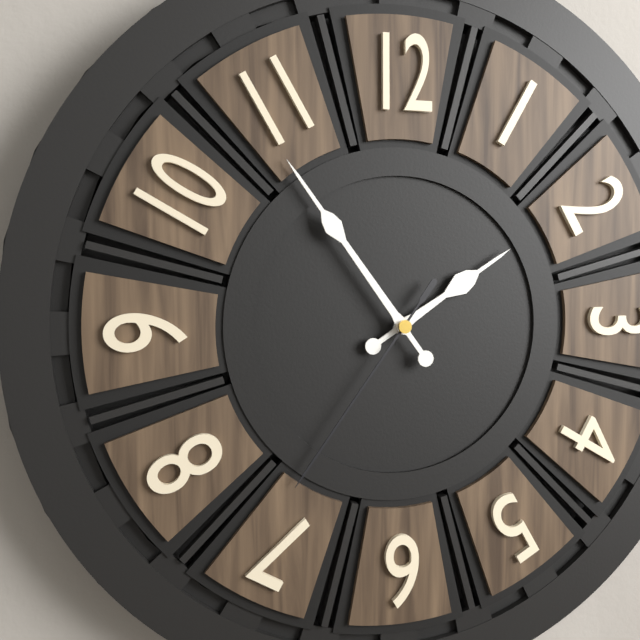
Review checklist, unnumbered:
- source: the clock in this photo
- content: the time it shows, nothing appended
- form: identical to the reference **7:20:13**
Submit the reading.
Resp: **1:54:36**
